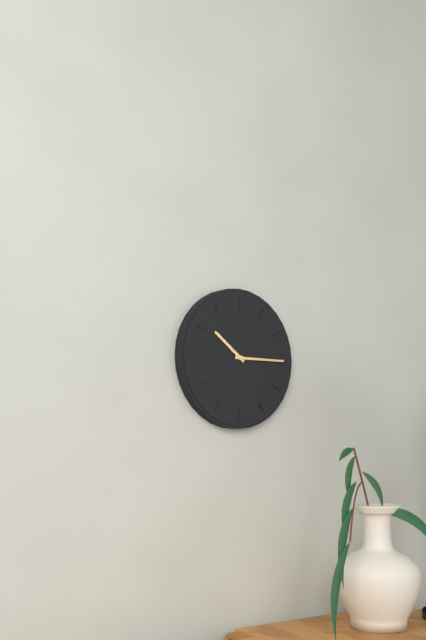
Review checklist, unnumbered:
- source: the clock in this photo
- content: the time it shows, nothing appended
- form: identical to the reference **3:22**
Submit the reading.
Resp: **10:15**
